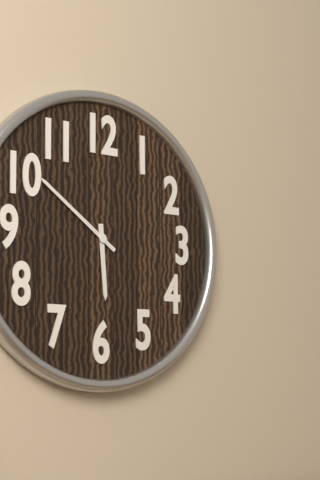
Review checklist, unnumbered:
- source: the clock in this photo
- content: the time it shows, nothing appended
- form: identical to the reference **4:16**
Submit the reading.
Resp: **5:51**
